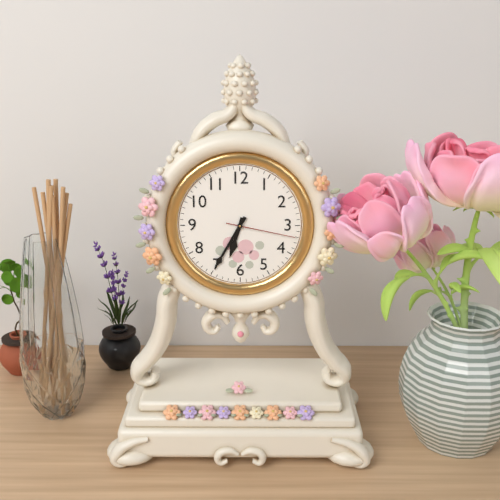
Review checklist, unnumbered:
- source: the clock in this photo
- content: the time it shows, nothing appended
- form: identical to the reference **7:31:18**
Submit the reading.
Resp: **6:35:17**
